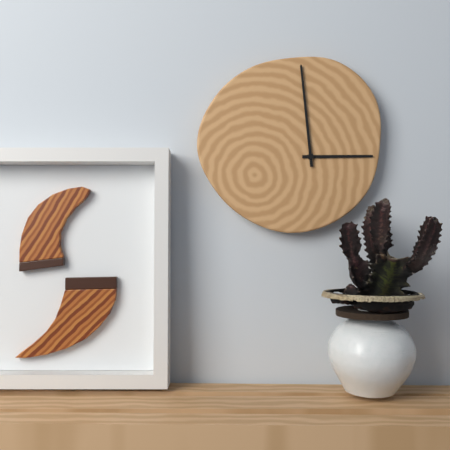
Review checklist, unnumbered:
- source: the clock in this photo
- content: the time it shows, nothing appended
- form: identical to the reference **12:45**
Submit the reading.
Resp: **2:59**
